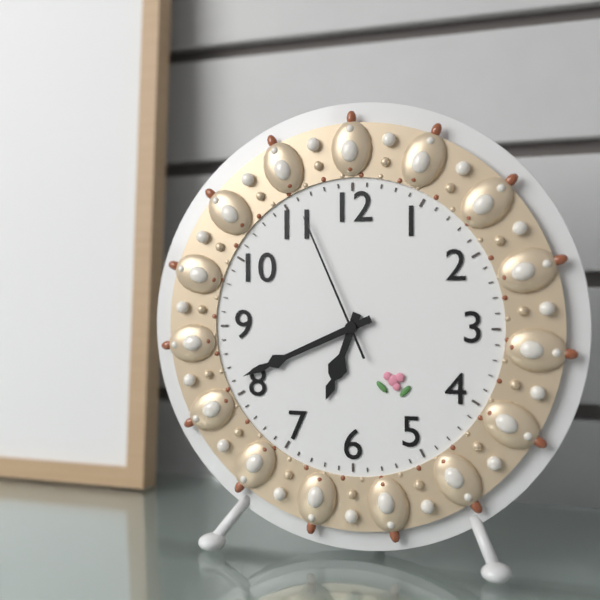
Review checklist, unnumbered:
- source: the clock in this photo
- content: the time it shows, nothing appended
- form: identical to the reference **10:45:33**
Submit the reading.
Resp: **6:41:56**
